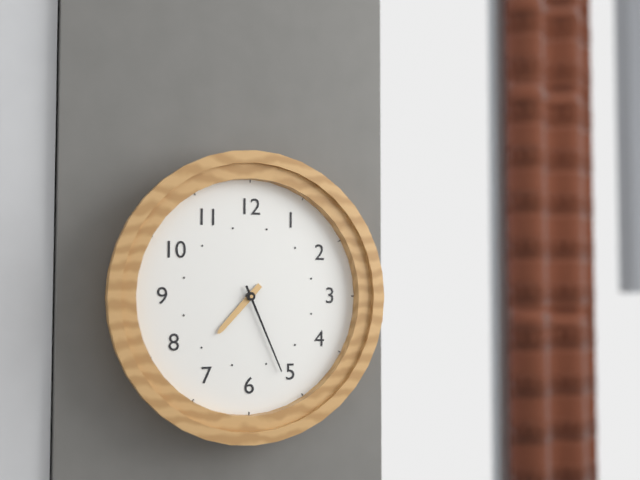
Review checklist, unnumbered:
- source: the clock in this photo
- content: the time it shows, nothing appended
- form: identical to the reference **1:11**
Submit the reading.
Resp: **7:26**
